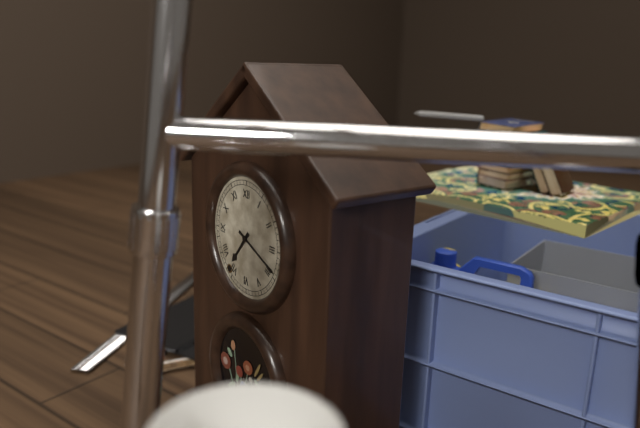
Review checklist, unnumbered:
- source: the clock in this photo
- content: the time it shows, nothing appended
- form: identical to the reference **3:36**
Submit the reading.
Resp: **7:19**
